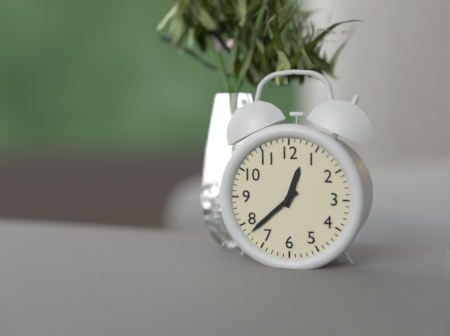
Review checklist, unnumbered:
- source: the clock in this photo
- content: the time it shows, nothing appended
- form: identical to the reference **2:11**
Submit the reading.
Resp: **12:38**
